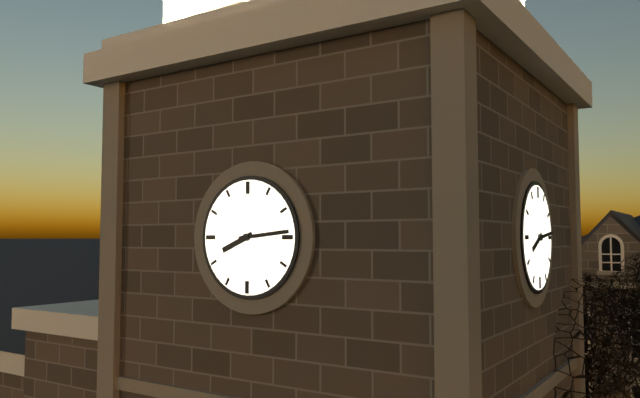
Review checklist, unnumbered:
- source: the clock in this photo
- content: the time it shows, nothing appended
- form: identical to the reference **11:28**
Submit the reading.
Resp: **8:14**
